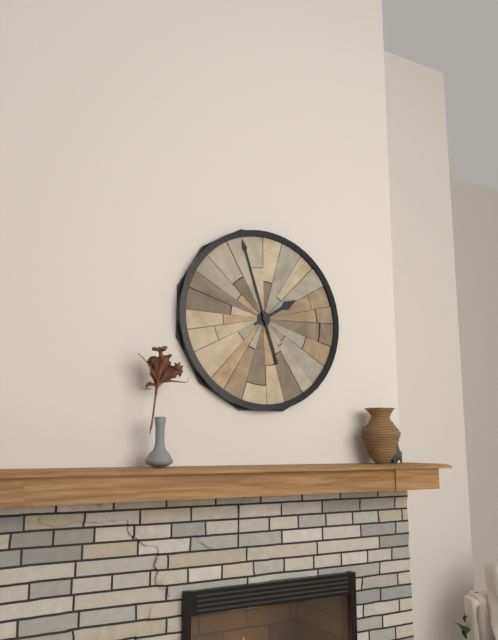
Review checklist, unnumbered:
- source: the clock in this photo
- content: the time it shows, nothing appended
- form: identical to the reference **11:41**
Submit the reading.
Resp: **1:57**
